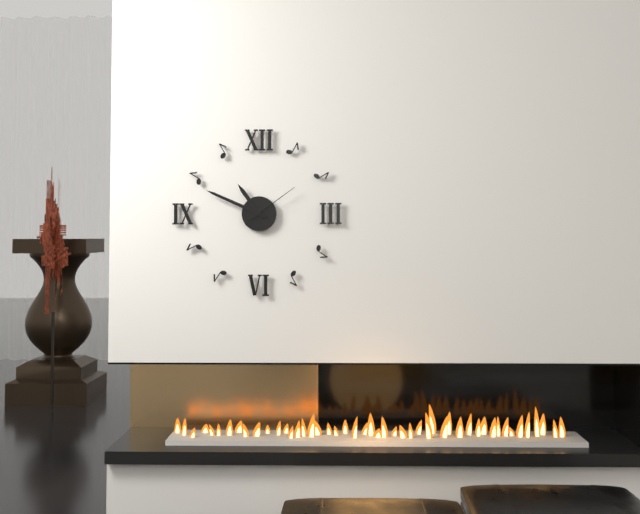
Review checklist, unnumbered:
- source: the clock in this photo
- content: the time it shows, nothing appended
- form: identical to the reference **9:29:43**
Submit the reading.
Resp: **10:49:09**
